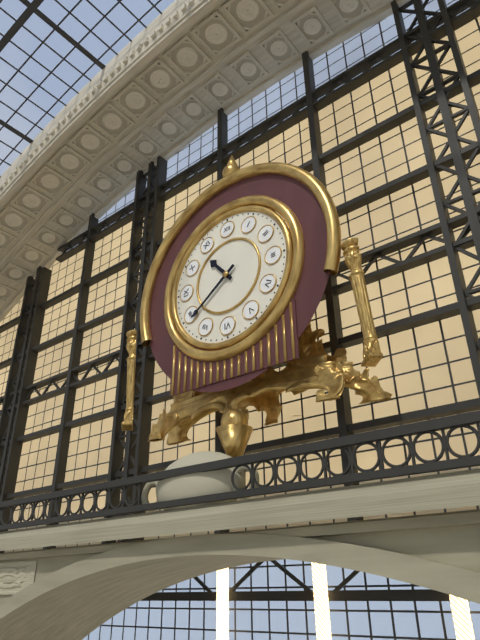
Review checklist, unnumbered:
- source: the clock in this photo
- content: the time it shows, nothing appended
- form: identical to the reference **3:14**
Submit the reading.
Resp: **10:39**
